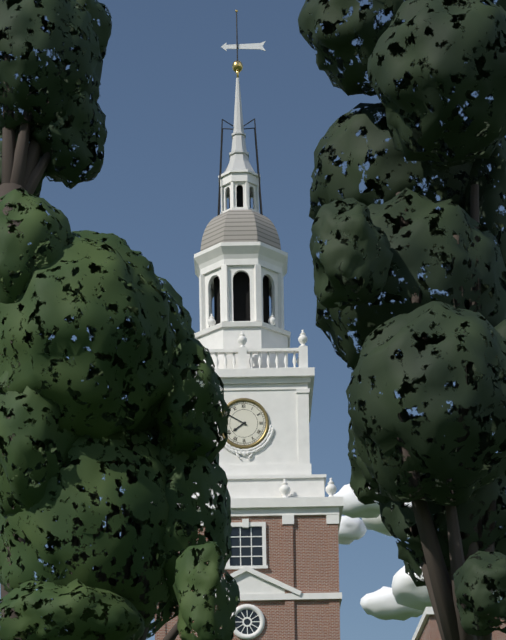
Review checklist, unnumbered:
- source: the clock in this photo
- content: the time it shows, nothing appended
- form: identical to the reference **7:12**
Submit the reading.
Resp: **7:50**
